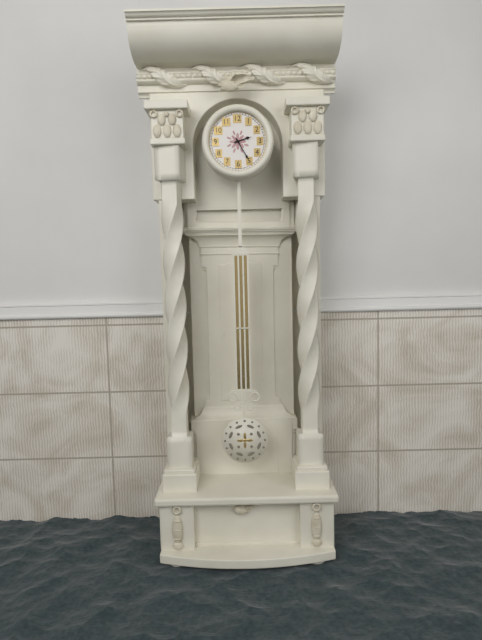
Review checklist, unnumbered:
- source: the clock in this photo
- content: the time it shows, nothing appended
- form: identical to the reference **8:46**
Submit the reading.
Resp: **2:25**
